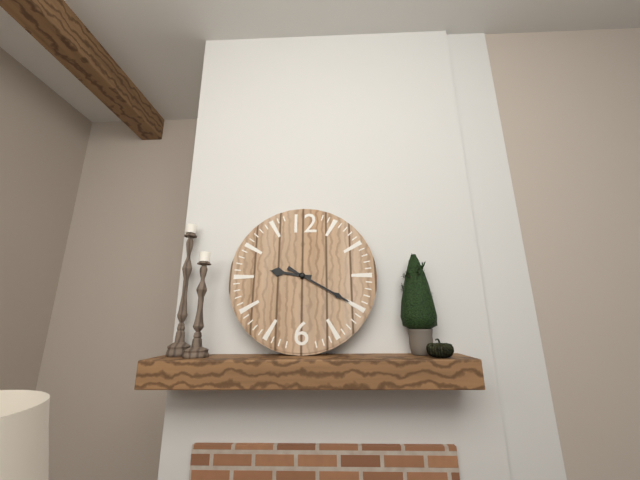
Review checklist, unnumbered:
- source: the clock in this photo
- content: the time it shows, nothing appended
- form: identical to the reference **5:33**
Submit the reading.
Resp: **9:20**
